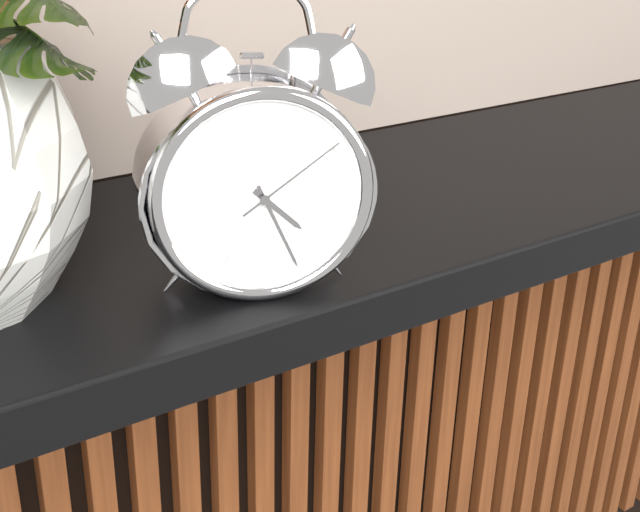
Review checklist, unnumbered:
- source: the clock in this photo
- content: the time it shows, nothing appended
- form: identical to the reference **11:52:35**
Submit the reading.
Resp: **4:26:09**
